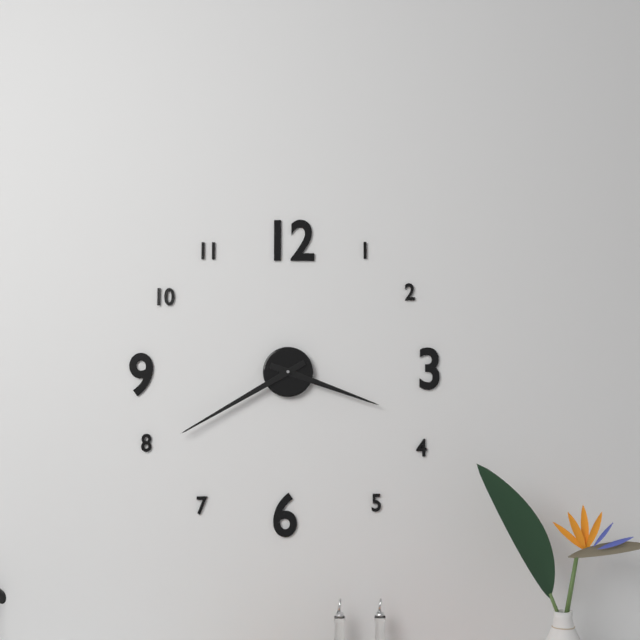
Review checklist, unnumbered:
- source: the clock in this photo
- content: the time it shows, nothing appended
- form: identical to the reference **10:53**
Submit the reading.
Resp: **3:40**
